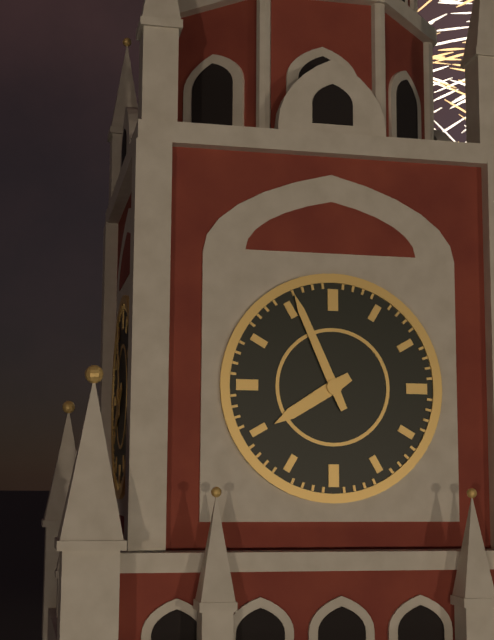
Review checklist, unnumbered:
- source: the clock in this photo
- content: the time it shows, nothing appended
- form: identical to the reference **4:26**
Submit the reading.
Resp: **7:56**
